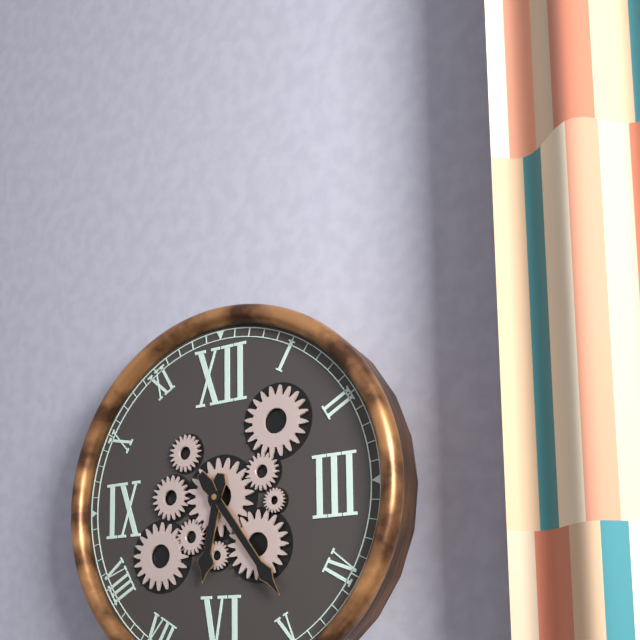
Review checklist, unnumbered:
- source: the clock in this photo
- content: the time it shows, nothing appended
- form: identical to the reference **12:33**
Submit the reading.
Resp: **6:24**
